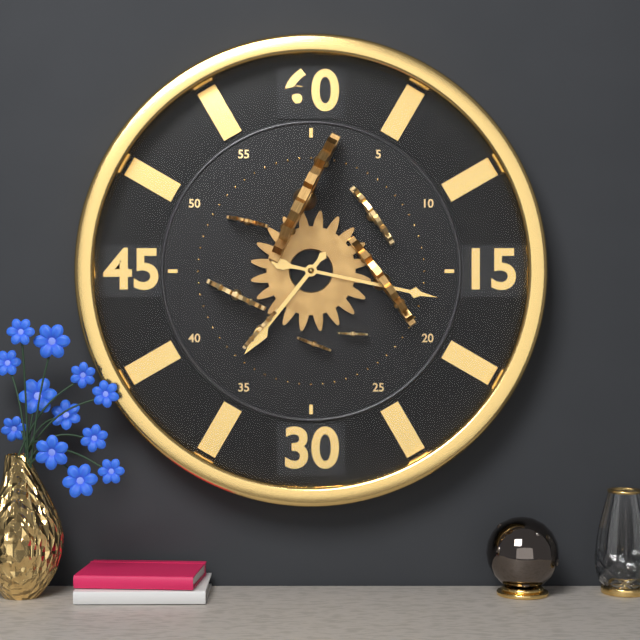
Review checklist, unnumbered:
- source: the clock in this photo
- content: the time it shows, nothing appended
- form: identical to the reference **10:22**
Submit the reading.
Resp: **7:17**
